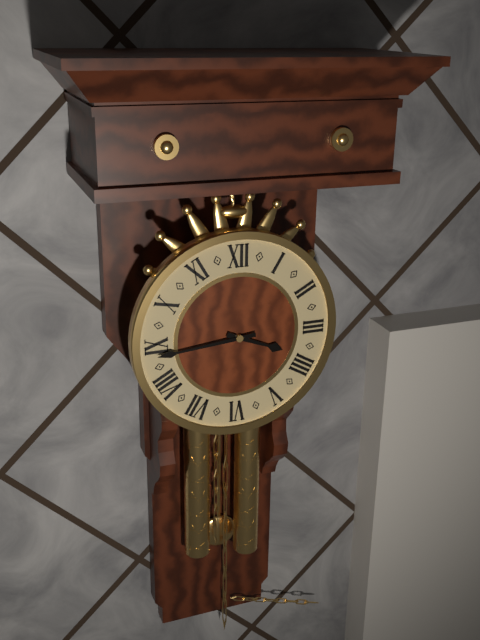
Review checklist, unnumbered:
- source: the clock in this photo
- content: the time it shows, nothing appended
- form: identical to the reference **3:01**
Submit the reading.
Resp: **3:44**
